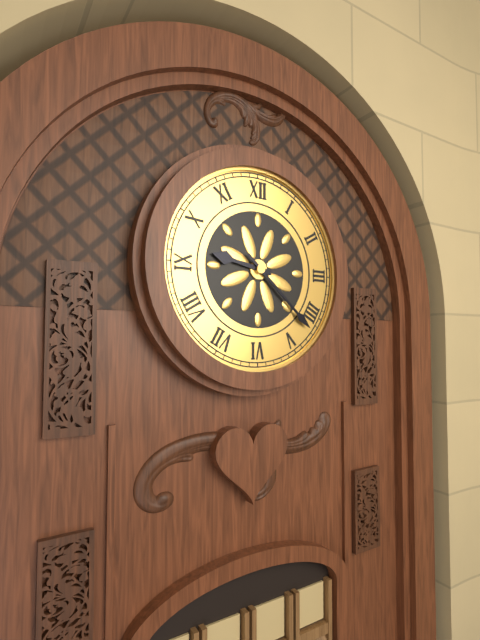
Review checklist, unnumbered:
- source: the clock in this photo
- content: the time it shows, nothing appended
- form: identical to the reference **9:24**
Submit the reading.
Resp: **9:22**
